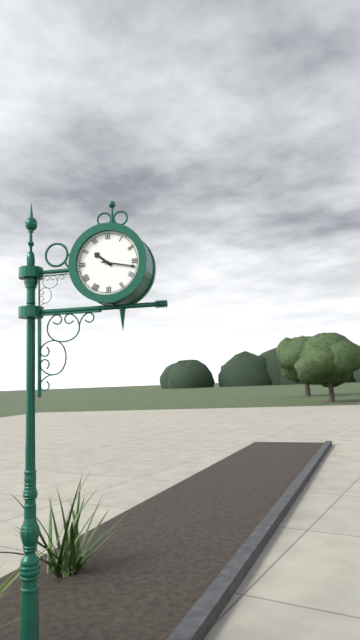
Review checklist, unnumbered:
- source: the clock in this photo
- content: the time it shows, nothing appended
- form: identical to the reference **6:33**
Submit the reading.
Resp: **10:17**
